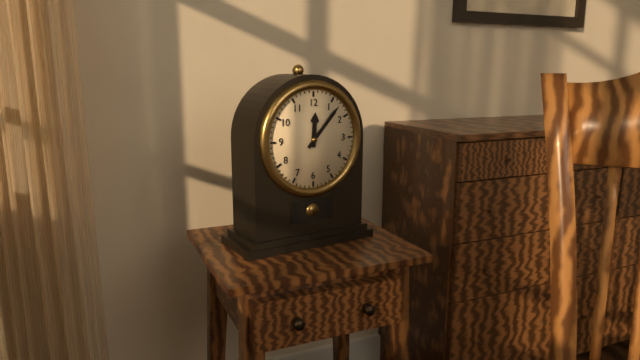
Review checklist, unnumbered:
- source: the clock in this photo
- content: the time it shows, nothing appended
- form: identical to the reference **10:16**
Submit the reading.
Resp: **12:07**
